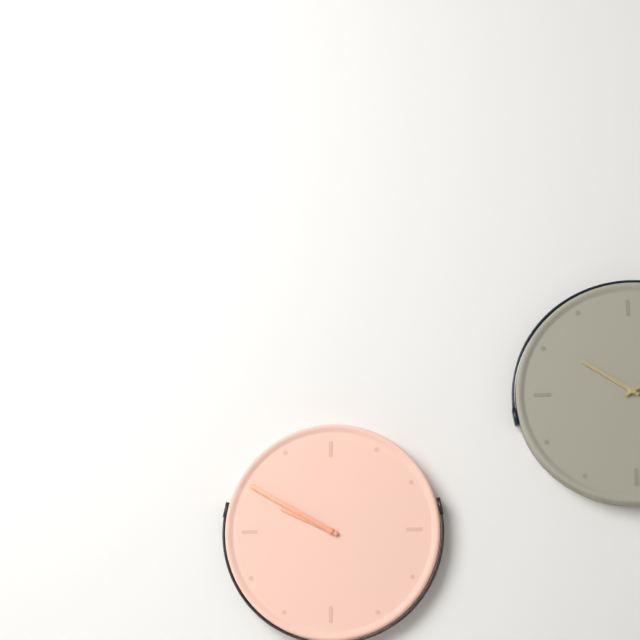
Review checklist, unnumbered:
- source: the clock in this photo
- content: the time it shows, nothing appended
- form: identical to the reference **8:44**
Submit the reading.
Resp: **9:50**
